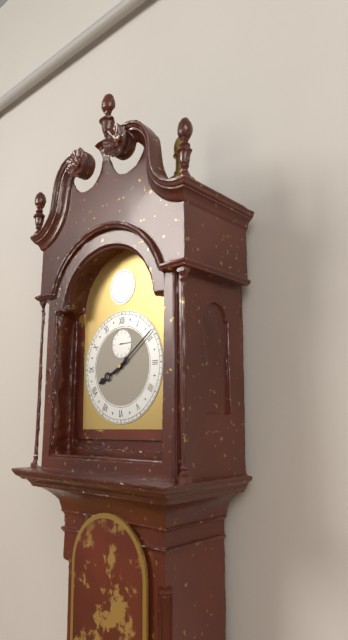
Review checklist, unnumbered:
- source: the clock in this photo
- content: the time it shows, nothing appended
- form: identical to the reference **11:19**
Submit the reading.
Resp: **8:09**
